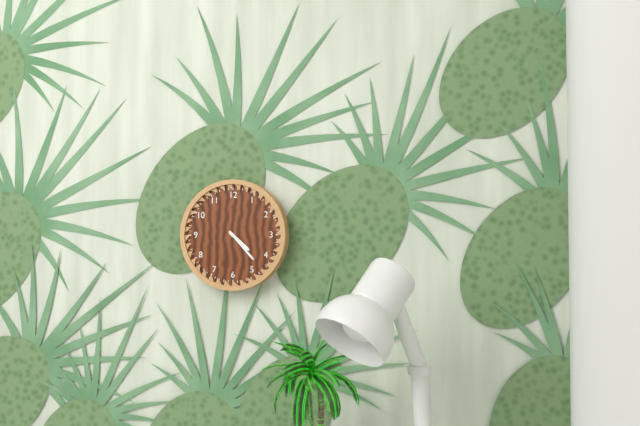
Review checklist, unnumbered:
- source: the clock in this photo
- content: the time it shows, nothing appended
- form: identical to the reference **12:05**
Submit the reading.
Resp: **4:23**
